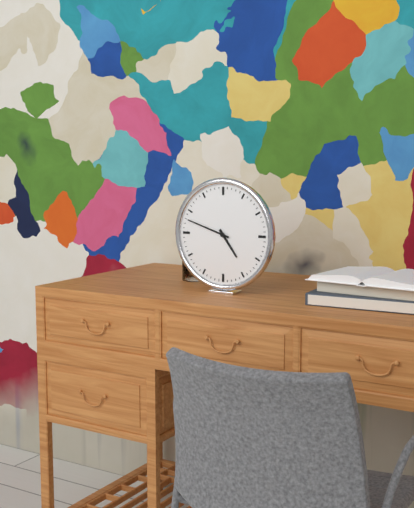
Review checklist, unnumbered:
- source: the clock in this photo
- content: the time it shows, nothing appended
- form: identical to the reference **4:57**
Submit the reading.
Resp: **4:48**
